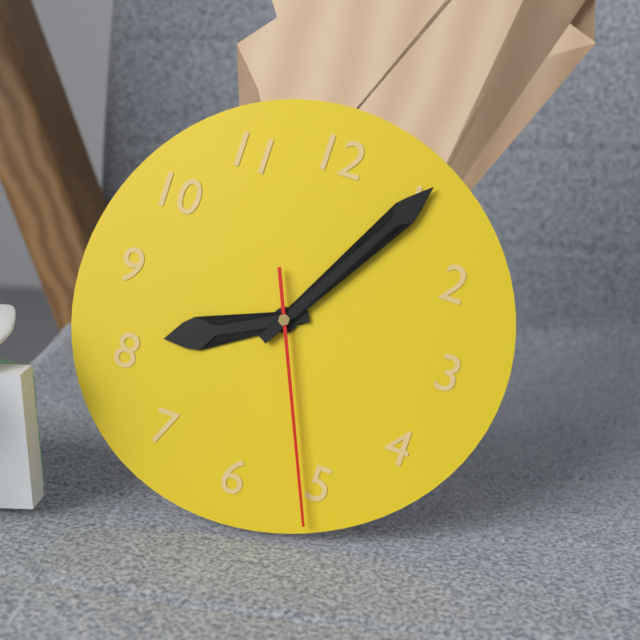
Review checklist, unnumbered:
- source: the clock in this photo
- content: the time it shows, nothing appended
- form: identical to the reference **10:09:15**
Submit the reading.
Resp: **8:05:26**
